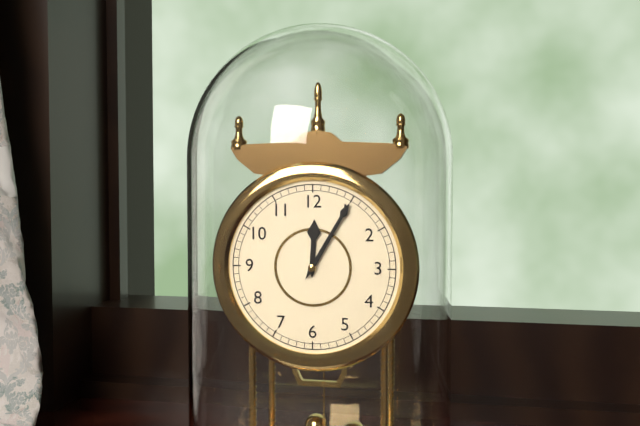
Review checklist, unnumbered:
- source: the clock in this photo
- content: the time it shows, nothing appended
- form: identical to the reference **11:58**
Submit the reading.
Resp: **12:05**
